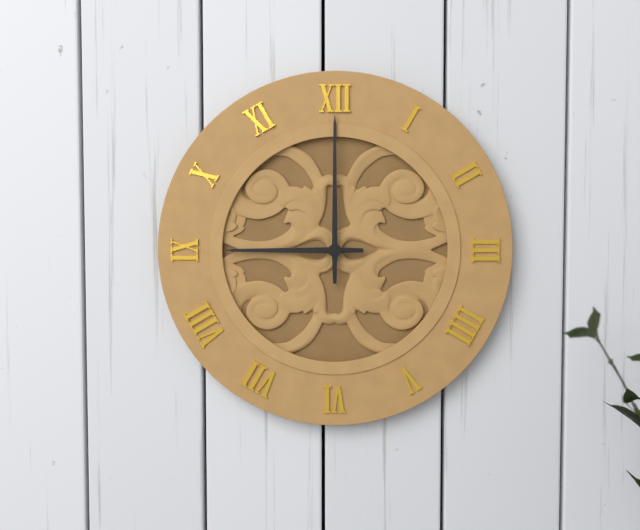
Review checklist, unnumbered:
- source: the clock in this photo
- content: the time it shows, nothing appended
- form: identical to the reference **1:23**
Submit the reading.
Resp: **9:00**
